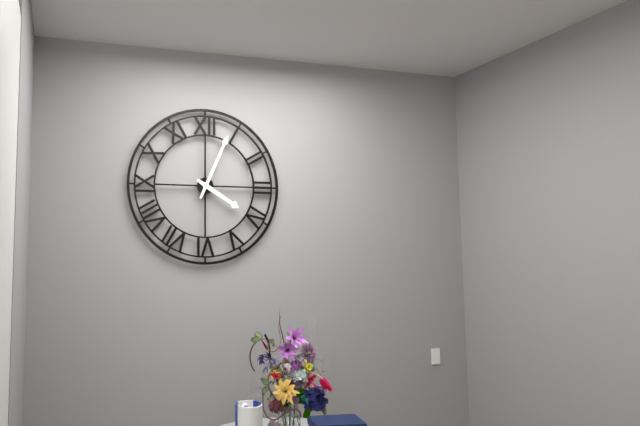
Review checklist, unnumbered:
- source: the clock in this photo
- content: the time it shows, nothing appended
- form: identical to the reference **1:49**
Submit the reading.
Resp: **4:04**
